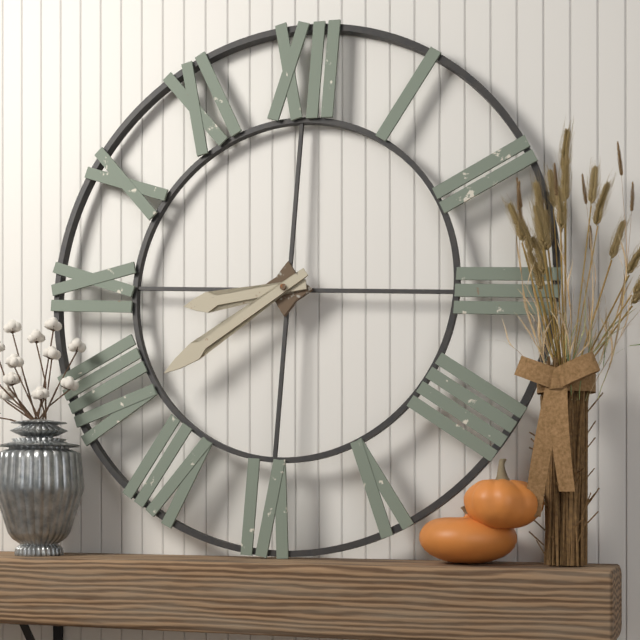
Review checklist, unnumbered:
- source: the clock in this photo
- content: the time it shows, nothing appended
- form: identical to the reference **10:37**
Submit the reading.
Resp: **8:39**
